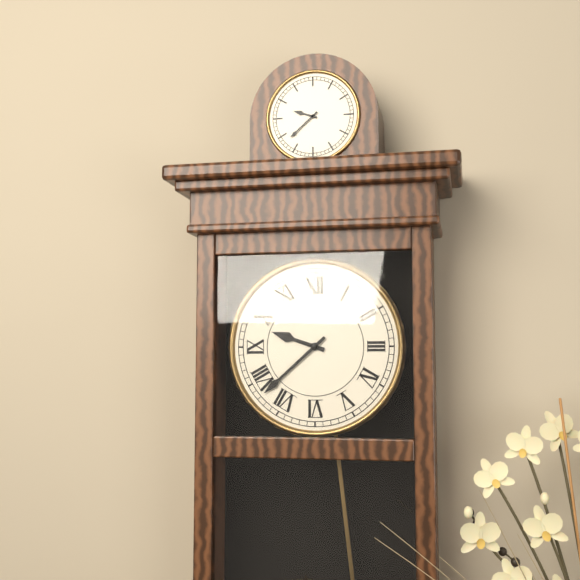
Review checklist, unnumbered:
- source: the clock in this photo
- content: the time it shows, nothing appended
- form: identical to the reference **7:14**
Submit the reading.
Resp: **9:38**
